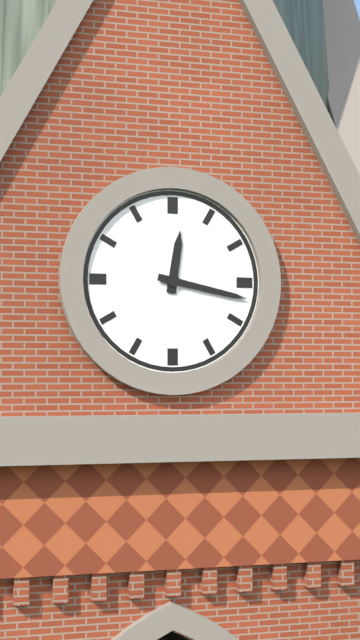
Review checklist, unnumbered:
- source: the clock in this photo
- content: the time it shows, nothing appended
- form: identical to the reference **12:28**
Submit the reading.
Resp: **12:17**
